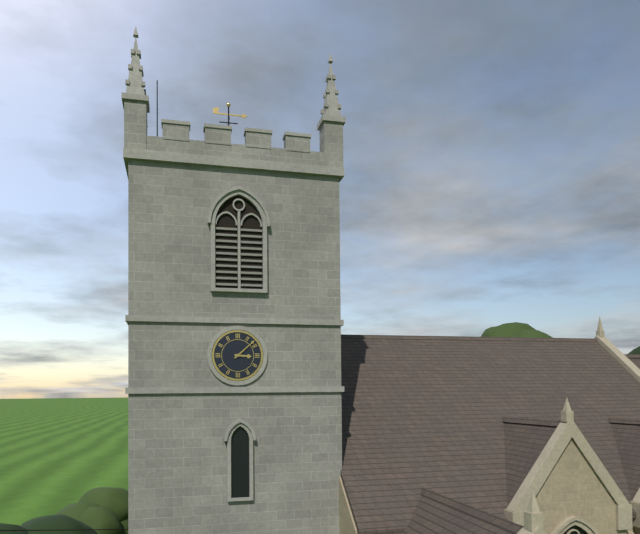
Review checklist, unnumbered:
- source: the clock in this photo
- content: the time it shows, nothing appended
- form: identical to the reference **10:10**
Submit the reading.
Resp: **3:08**
